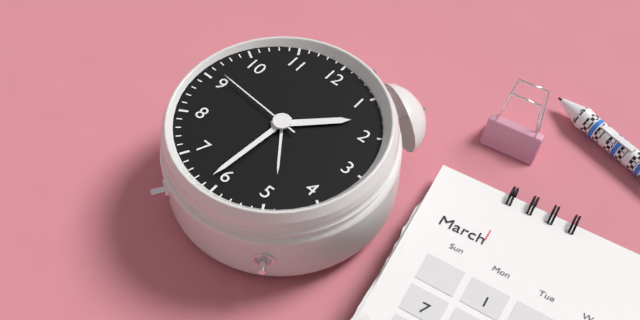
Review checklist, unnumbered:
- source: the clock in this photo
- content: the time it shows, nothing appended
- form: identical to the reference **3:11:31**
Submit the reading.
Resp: **1:31:46**
